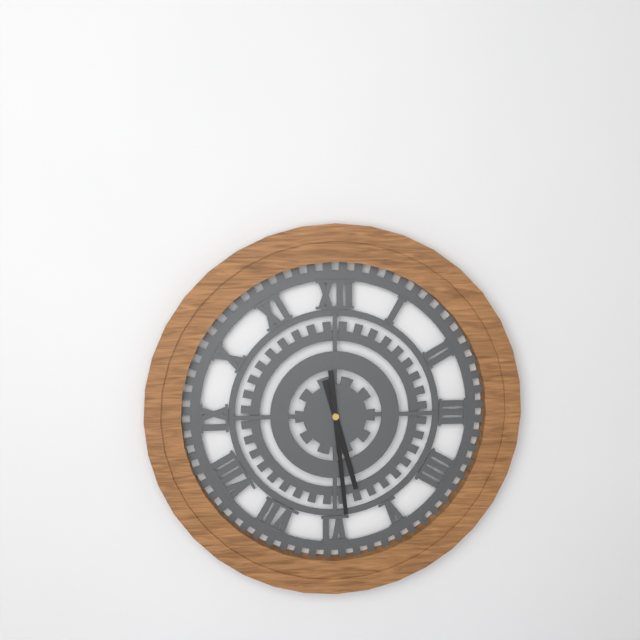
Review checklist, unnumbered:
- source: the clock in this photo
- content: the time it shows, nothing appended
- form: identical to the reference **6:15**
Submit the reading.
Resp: **5:29**
